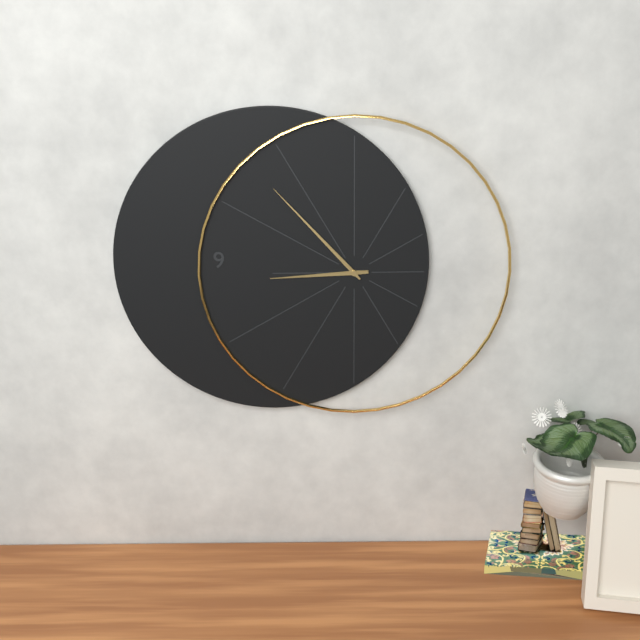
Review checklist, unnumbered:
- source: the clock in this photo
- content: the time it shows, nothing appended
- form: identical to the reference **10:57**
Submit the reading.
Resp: **8:53**
